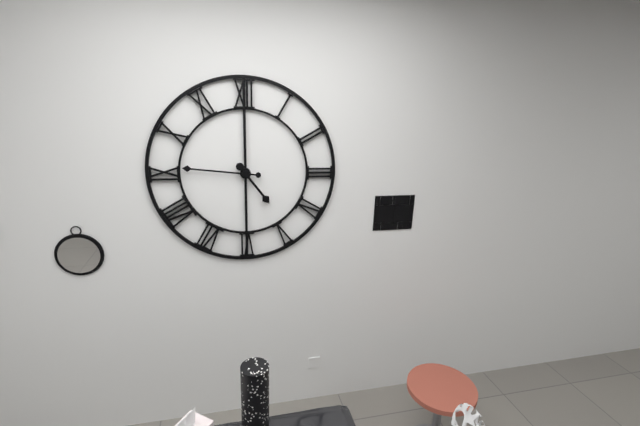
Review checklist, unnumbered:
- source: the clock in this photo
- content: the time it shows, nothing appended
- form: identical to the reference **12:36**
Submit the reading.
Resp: **4:46**
